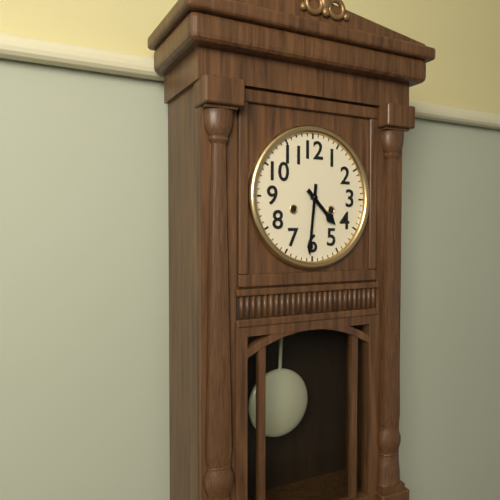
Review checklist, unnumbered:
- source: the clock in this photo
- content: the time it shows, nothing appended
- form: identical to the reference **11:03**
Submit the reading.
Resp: **4:31**
